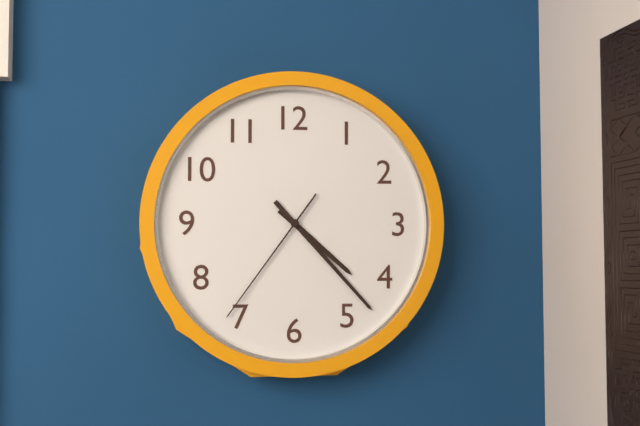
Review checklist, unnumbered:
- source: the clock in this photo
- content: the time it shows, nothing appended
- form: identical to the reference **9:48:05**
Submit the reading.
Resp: **4:23:36**
